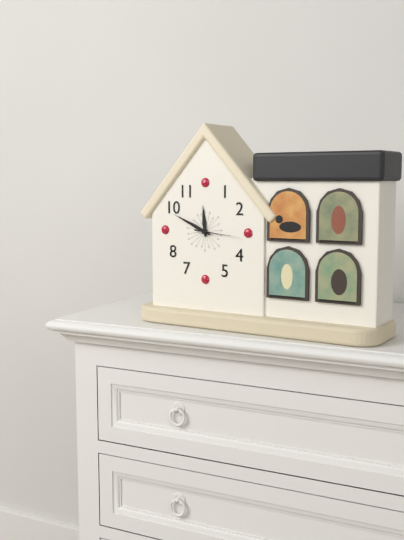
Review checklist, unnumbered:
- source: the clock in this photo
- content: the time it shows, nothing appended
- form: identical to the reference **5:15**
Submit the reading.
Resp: **11:49**
